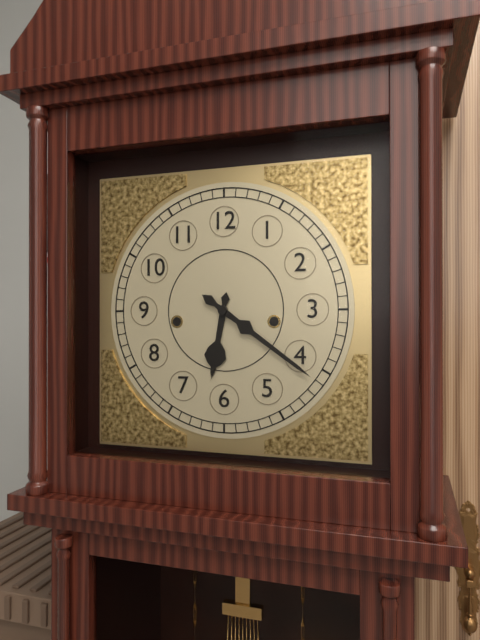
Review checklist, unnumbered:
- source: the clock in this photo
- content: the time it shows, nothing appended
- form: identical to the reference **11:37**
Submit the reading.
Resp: **6:21**
